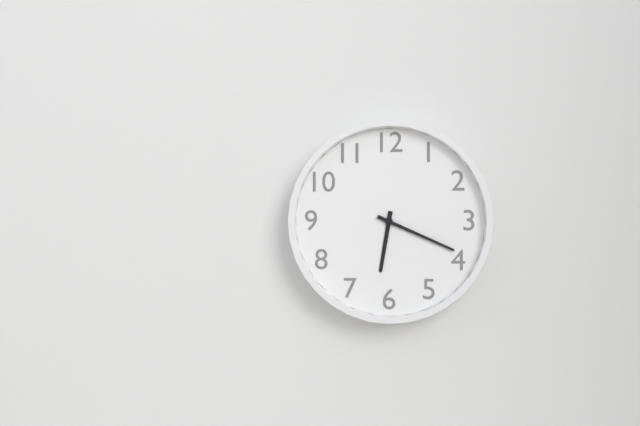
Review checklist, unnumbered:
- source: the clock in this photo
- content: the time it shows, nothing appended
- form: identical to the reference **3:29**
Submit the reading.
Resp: **6:19**
